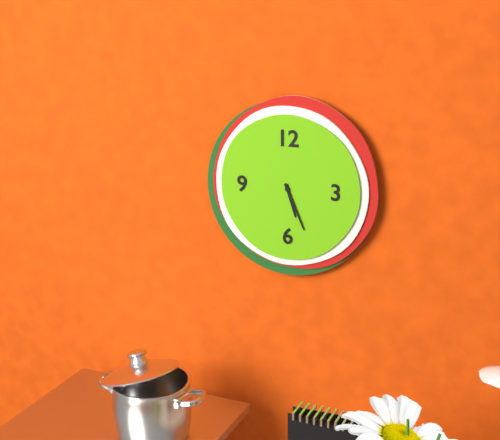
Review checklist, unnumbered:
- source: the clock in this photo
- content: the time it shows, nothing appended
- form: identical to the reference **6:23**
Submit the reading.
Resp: **5:26**
